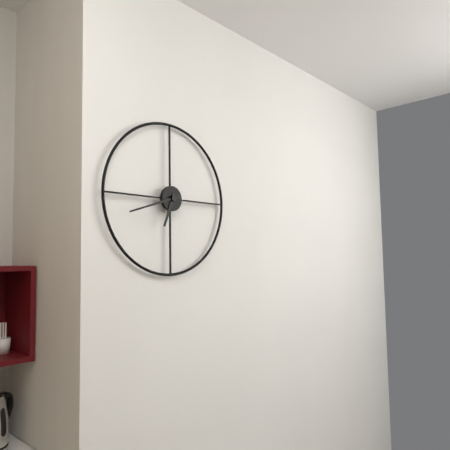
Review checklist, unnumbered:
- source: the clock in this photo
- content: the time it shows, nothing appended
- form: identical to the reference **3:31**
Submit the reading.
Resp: **6:42**
